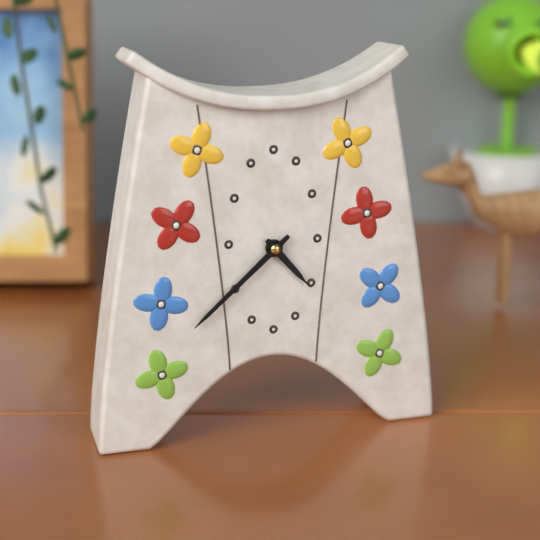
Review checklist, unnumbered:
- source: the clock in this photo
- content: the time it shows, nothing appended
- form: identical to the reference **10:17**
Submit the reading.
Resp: **4:38**
